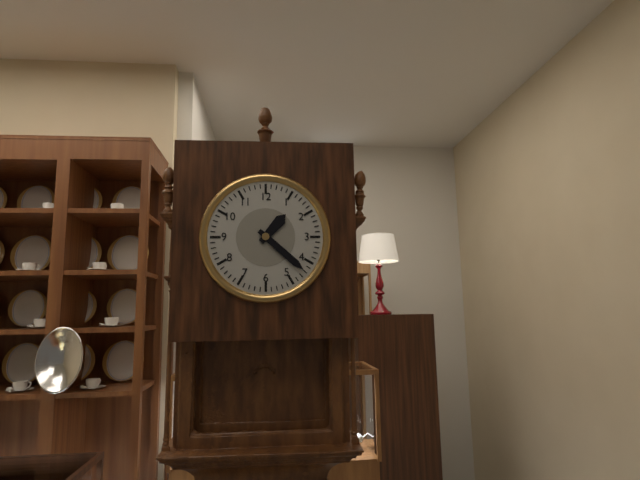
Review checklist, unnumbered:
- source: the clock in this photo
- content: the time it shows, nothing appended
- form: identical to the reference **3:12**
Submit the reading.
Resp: **1:22**
